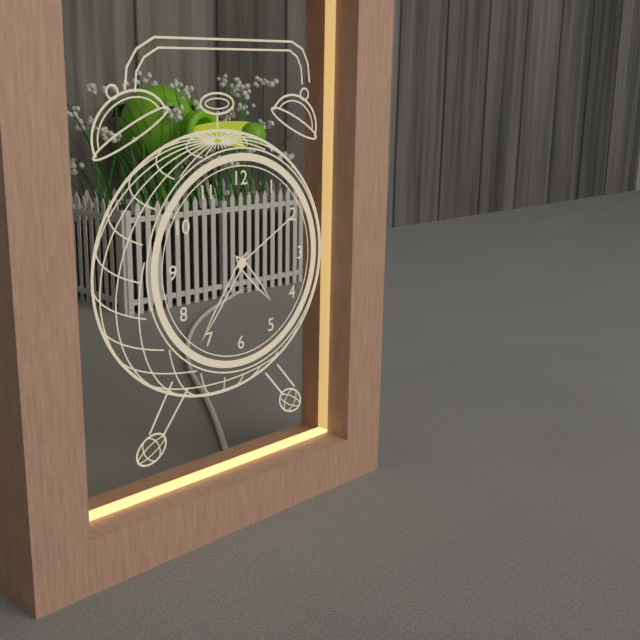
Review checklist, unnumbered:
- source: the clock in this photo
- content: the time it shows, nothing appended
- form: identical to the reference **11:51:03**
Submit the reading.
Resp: **4:36:10**
